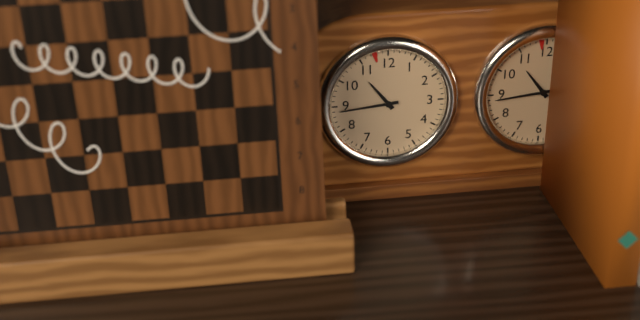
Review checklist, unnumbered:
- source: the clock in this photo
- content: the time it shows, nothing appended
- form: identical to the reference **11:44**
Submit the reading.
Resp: **10:44**
